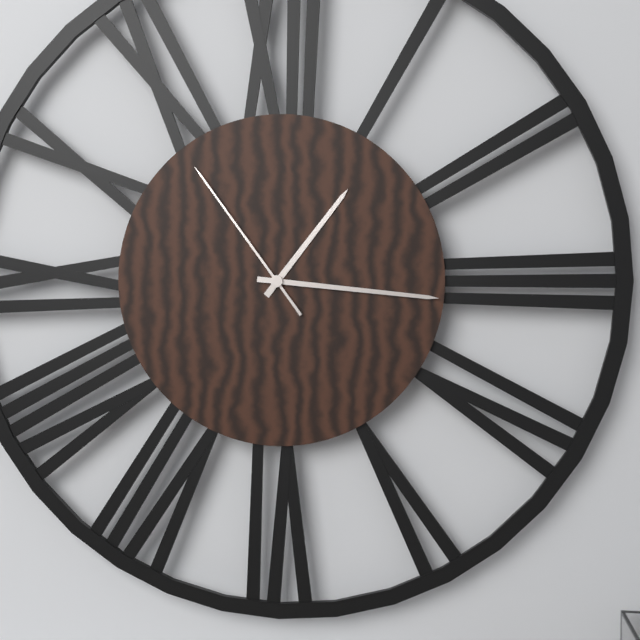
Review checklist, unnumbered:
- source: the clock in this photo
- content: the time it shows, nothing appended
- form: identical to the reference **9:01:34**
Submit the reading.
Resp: **1:16:54**
